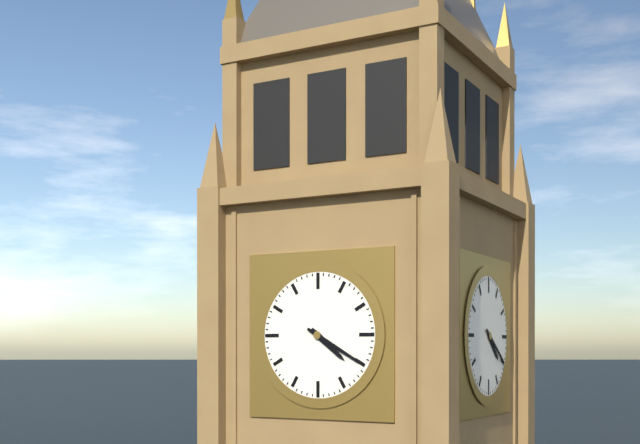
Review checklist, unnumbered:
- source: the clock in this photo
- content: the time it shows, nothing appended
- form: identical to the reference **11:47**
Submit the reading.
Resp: **4:20**
